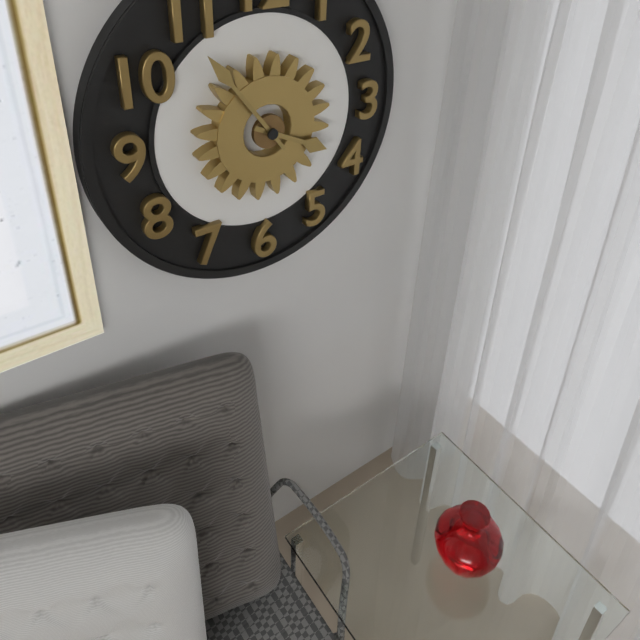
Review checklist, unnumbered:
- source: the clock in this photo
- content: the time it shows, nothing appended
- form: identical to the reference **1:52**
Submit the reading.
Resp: **3:54**
